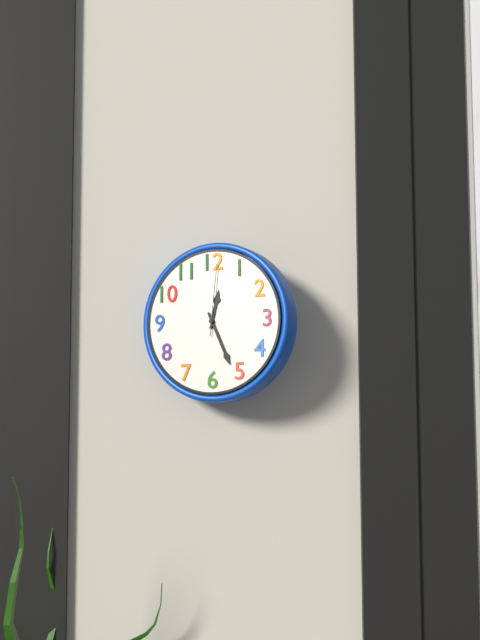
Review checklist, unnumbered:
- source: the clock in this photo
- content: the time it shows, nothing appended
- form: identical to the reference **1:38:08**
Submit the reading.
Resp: **12:26:01**
